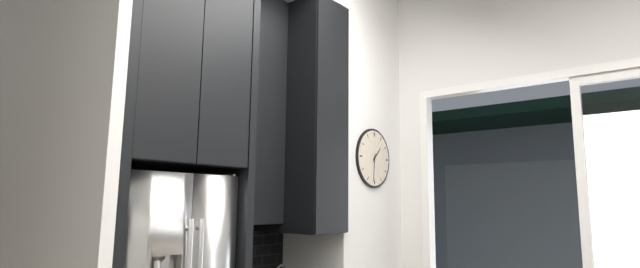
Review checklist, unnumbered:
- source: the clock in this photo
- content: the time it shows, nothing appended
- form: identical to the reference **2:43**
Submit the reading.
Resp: **1:31**
